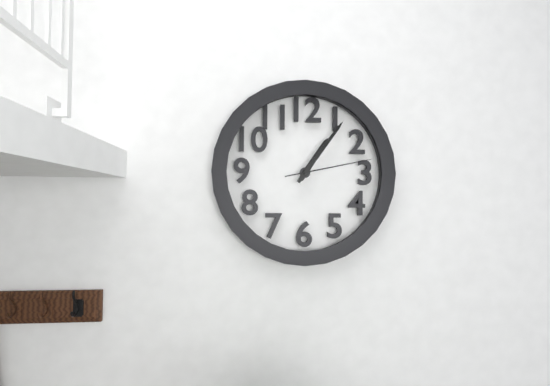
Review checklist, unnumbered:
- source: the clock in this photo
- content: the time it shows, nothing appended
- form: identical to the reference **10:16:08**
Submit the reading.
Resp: **1:06:13**
